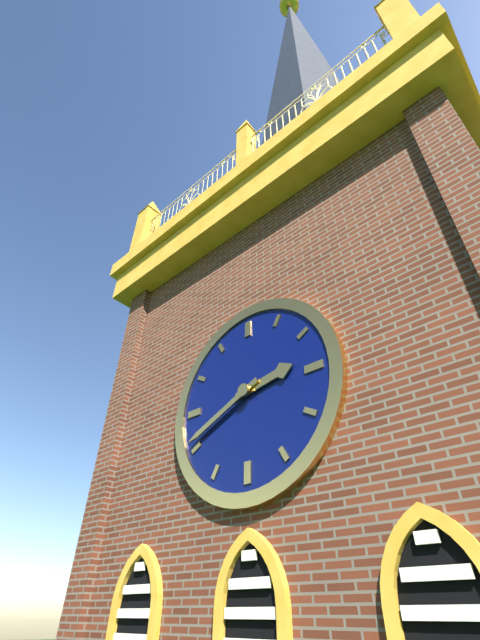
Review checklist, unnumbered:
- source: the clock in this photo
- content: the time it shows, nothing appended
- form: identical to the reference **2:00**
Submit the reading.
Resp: **2:41**
